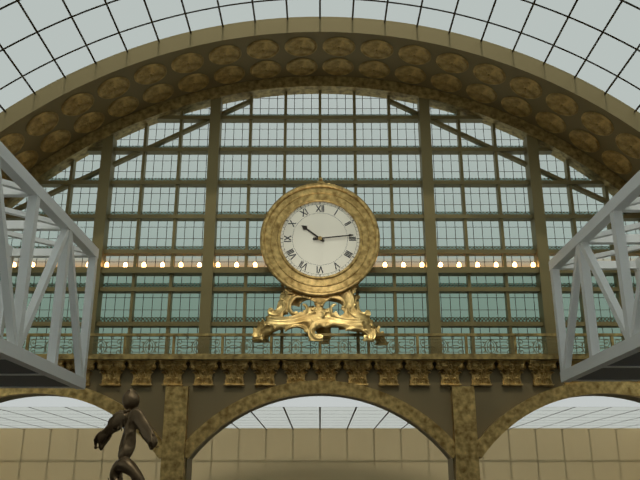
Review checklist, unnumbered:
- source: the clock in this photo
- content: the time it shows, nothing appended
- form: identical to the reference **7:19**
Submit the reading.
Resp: **10:14**
